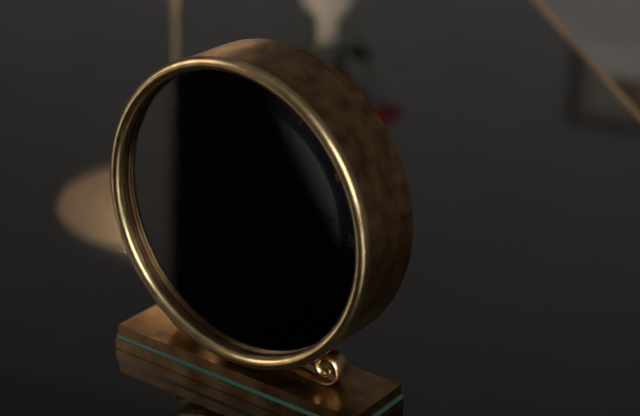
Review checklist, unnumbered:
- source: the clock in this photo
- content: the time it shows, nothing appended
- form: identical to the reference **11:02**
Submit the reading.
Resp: **2:40**
